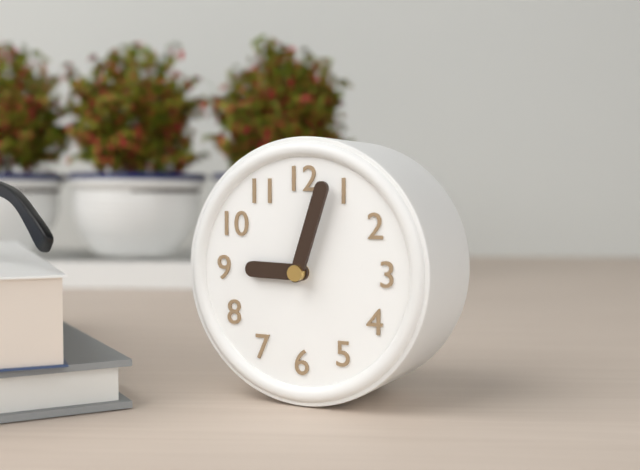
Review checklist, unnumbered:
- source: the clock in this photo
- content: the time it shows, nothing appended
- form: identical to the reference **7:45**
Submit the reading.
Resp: **9:03**
